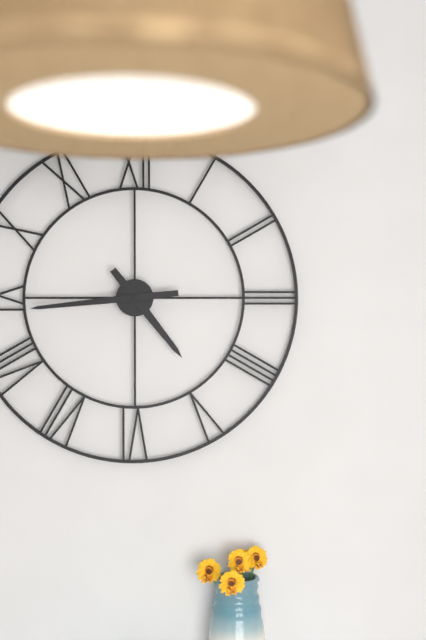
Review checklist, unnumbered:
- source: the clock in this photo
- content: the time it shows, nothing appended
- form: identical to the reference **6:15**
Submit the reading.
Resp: **4:44**
